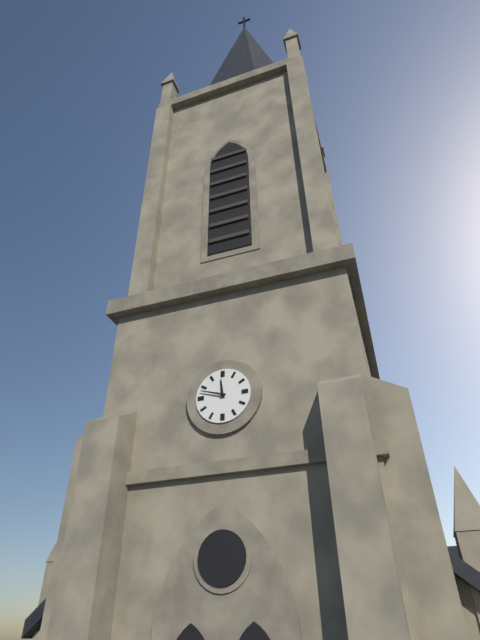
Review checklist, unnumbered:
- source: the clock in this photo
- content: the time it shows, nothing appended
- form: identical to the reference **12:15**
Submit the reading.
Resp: **11:48**
